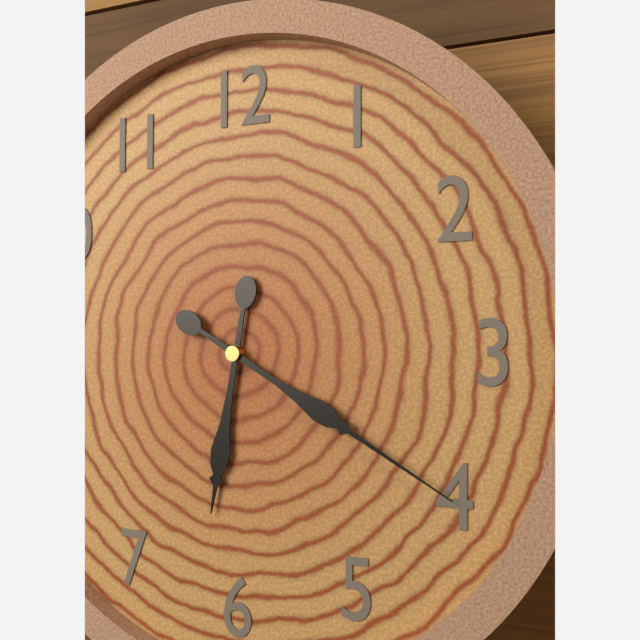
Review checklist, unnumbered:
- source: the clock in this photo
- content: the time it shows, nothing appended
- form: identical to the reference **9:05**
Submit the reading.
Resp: **6:20**
